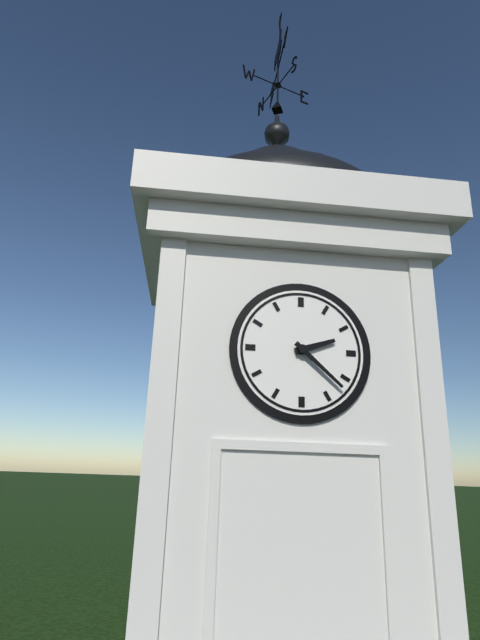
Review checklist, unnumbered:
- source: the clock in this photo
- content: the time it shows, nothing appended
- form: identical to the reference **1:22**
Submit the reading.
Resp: **2:22**
